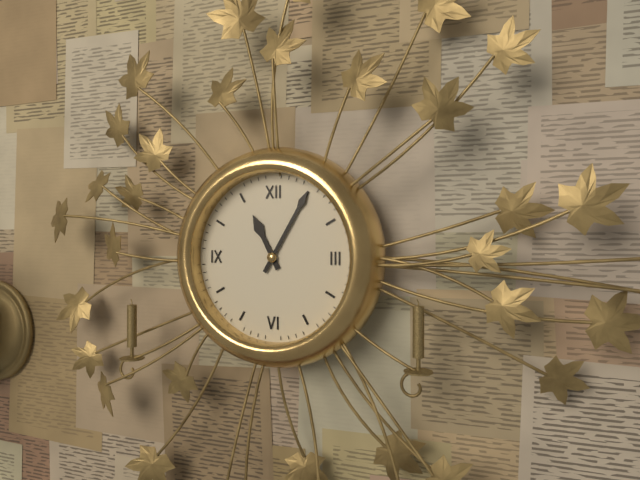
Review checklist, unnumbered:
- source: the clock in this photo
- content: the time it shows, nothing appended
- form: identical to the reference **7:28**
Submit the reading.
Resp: **11:05**
